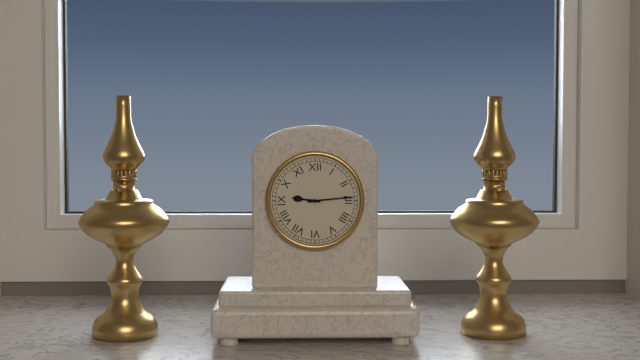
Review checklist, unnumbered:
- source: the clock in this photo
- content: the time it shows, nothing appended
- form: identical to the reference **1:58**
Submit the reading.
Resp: **9:14**
